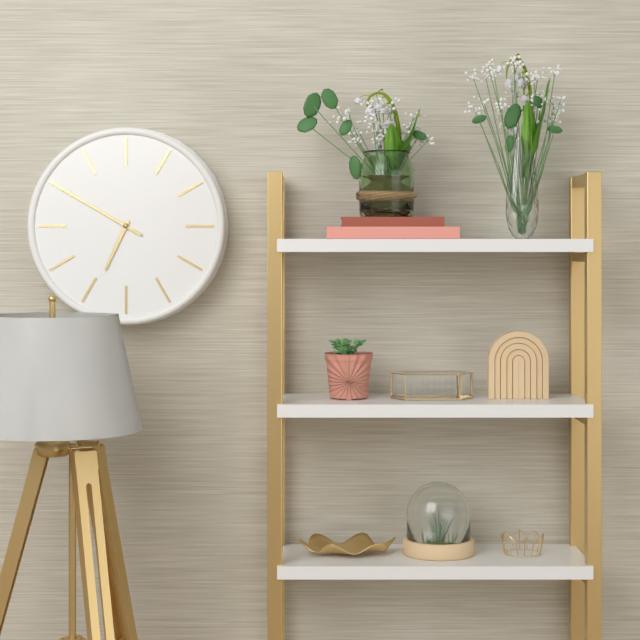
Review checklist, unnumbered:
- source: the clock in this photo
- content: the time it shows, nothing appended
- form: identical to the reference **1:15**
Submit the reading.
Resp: **6:50**
